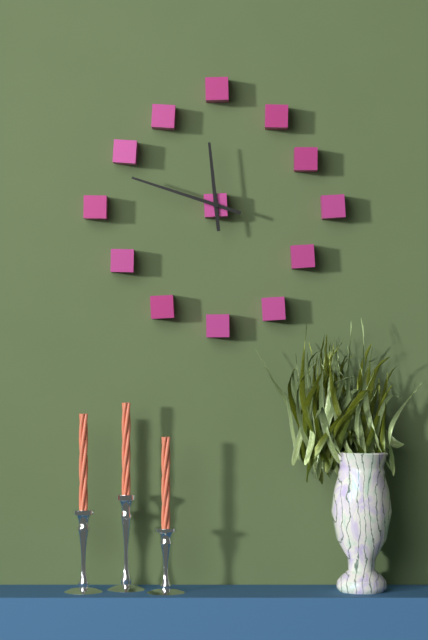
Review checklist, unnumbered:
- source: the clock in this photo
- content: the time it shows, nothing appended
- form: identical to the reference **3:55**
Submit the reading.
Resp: **11:48**
